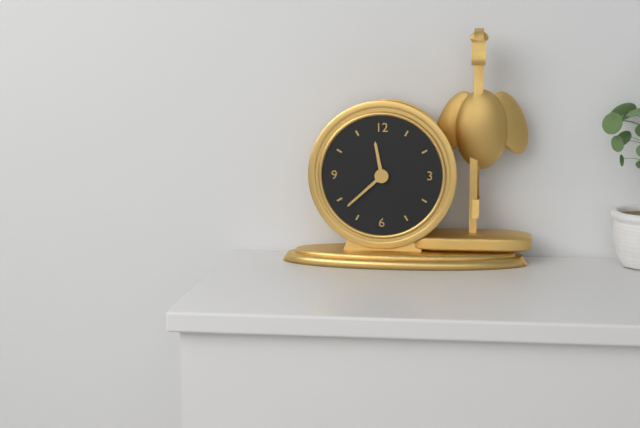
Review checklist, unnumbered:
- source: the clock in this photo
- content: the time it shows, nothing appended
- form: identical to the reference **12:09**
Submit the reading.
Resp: **11:38**
